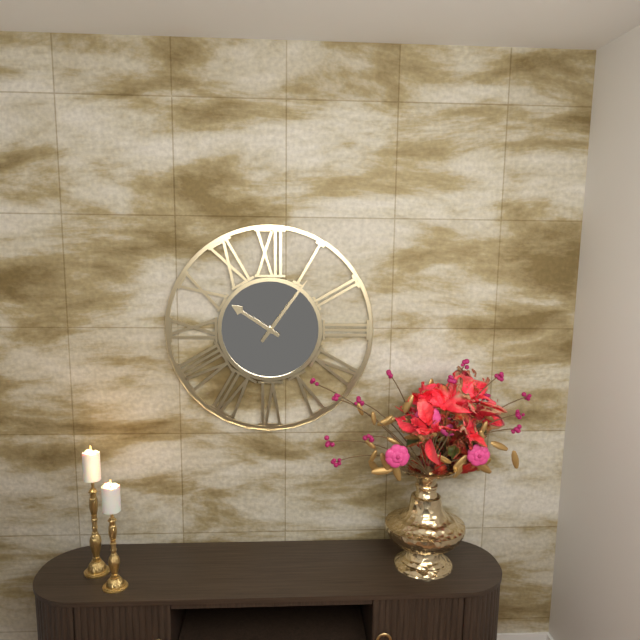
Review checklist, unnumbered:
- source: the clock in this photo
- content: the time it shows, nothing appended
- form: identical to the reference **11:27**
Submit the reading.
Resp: **10:06**
